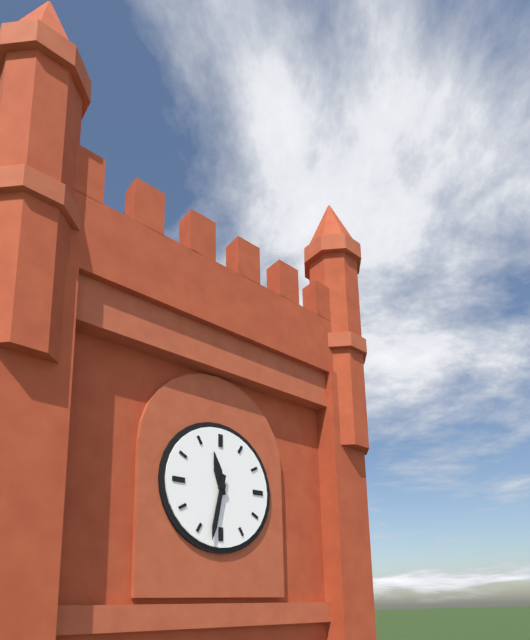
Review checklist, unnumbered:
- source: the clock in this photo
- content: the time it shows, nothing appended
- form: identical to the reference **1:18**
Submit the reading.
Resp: **11:32**
